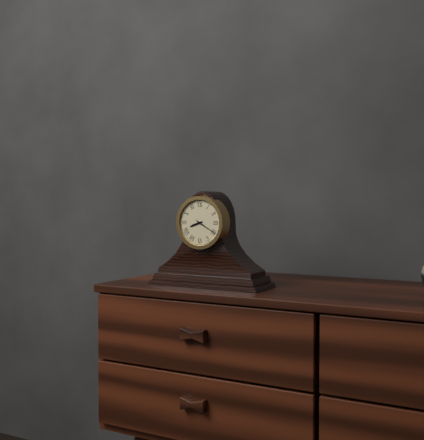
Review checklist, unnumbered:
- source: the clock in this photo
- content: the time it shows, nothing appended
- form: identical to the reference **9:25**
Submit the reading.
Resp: **8:20**
